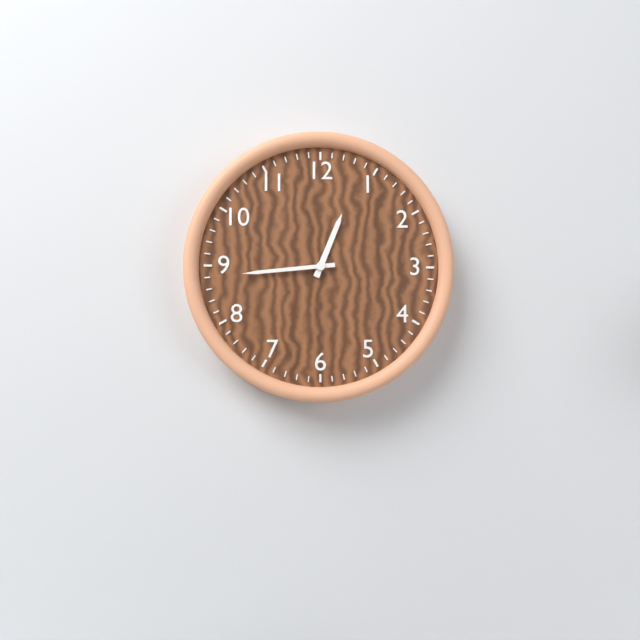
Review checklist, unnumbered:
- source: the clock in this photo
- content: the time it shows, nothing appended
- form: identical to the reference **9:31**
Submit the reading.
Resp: **12:44**
